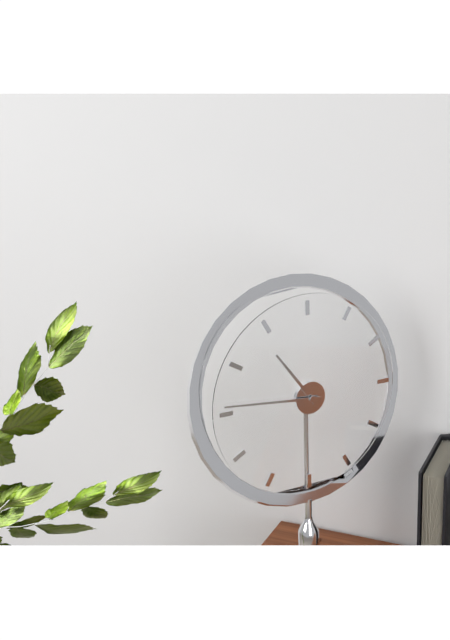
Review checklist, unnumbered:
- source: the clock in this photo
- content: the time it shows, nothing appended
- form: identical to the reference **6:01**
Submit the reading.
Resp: **10:46**
